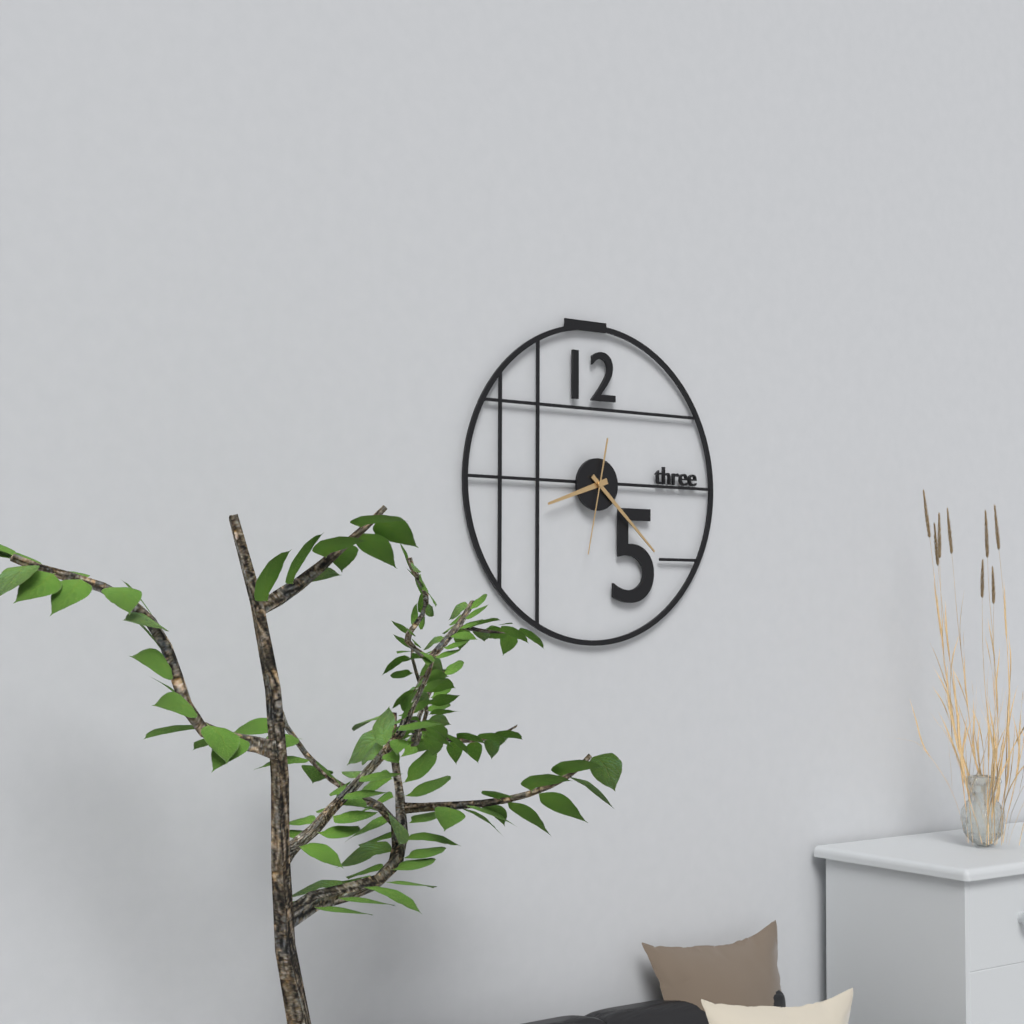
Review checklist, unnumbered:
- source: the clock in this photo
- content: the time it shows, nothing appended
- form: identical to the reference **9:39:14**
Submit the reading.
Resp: **8:22:32**
